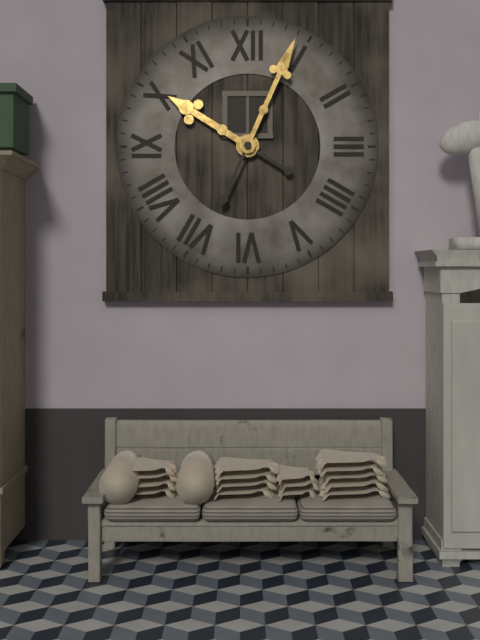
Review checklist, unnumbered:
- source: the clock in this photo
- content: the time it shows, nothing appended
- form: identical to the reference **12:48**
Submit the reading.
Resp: **10:04**
